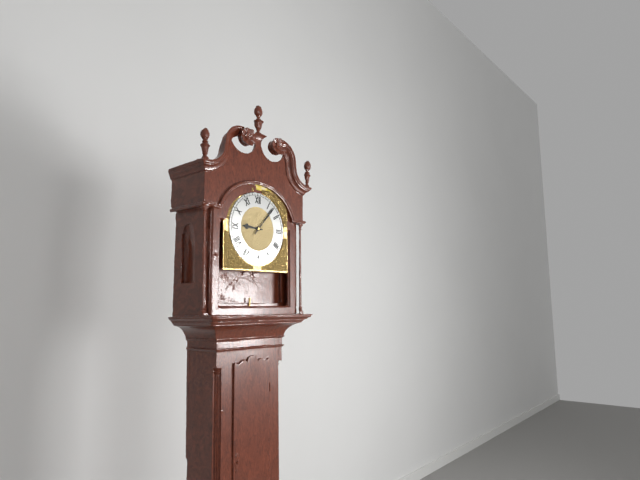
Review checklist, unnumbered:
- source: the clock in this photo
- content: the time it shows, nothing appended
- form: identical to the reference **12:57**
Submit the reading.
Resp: **9:07**
